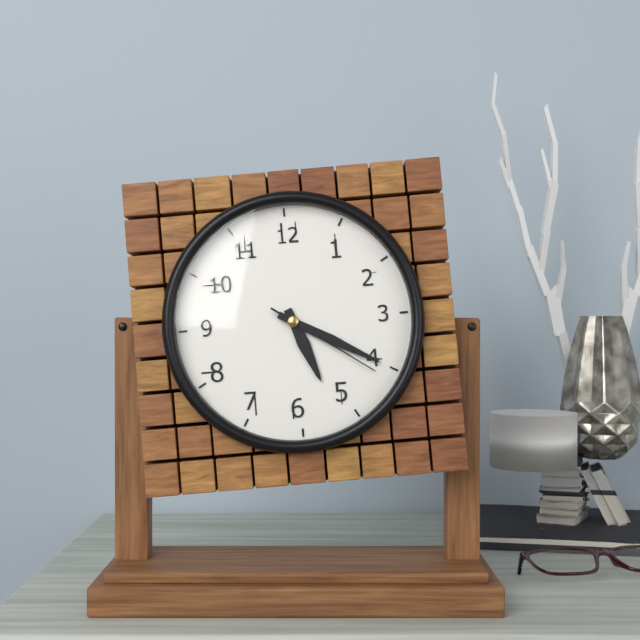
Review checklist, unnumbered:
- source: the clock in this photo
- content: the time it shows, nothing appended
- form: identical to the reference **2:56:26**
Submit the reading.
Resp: **5:20:21**
